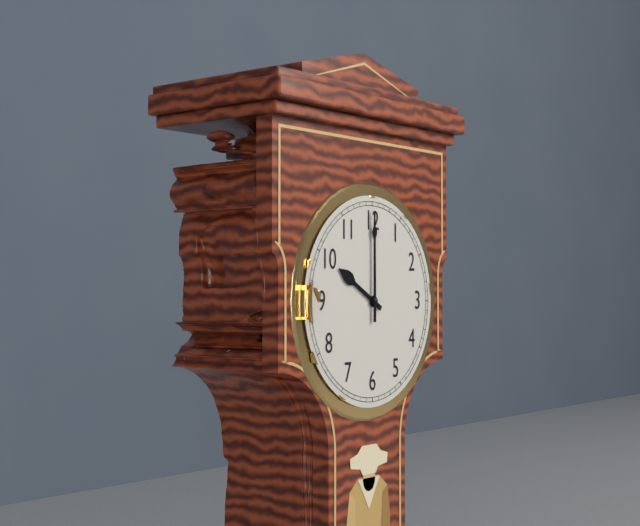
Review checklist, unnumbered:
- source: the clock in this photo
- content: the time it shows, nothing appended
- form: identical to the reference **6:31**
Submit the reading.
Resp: **10:00**
